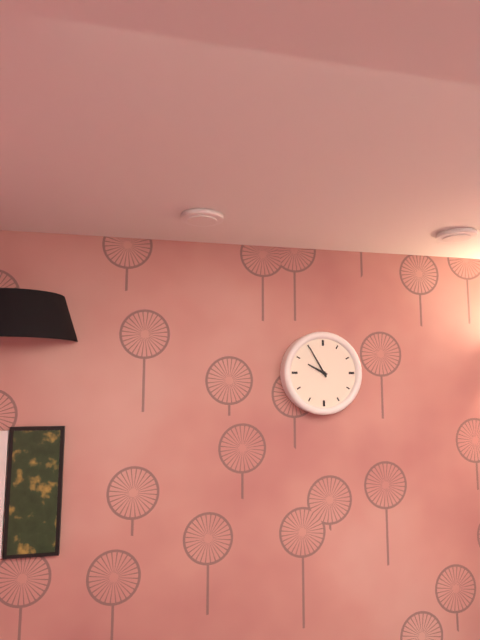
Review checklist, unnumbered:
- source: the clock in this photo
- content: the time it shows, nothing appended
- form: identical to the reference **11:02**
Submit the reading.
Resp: **9:55**
